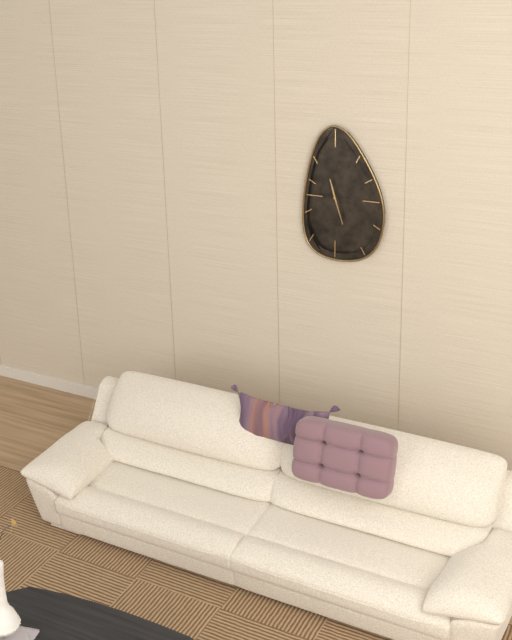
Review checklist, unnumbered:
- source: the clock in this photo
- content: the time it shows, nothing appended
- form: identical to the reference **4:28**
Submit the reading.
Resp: **11:27**
